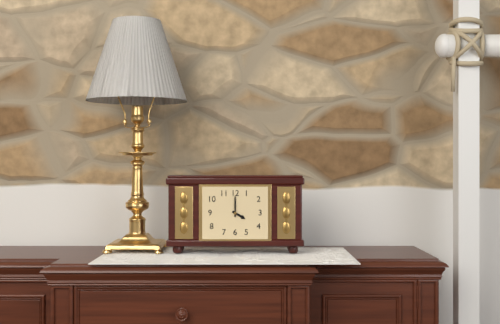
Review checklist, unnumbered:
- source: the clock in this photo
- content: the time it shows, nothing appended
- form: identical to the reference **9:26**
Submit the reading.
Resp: **4:00**
